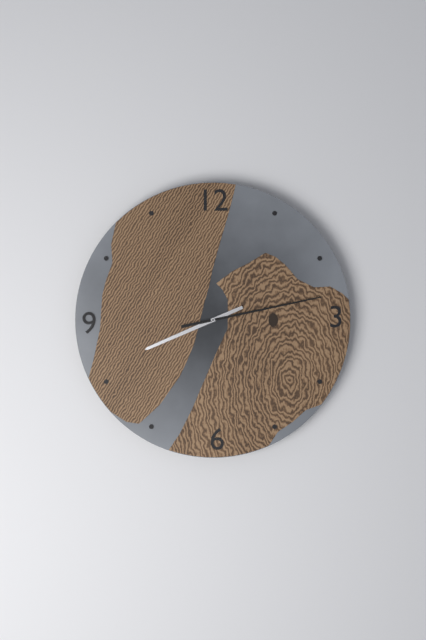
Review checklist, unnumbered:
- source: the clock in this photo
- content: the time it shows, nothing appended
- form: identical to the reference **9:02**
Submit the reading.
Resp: **8:13**
